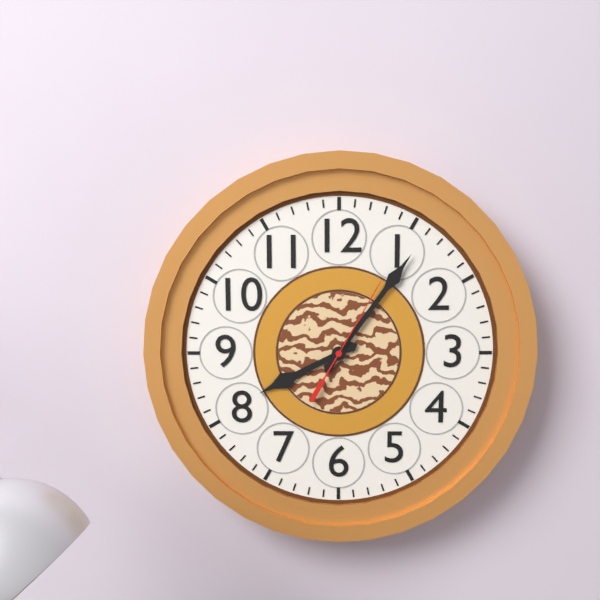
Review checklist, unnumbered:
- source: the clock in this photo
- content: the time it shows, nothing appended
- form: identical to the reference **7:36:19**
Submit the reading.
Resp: **8:06:05**
